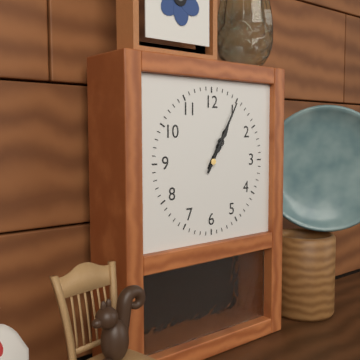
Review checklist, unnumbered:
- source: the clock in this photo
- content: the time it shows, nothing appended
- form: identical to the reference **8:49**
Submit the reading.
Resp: **1:05**
